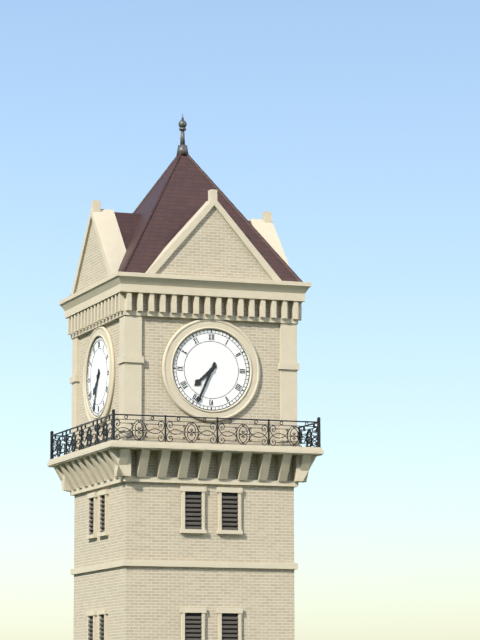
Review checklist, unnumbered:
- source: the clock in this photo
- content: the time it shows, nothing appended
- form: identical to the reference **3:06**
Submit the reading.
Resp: **7:34**
